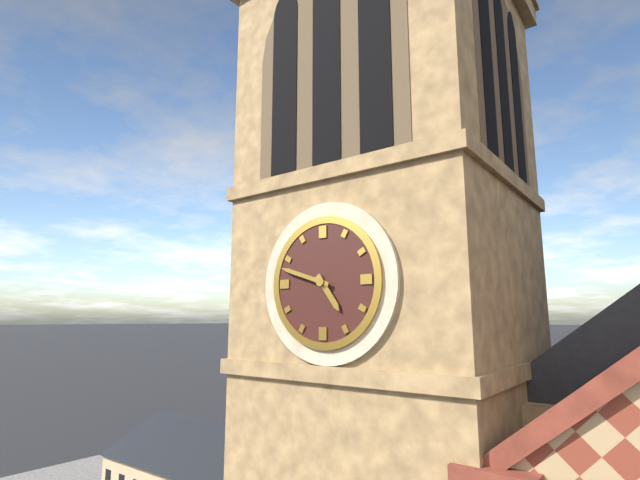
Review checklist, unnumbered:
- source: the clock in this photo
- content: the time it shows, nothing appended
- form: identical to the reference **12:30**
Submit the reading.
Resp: **4:48**
